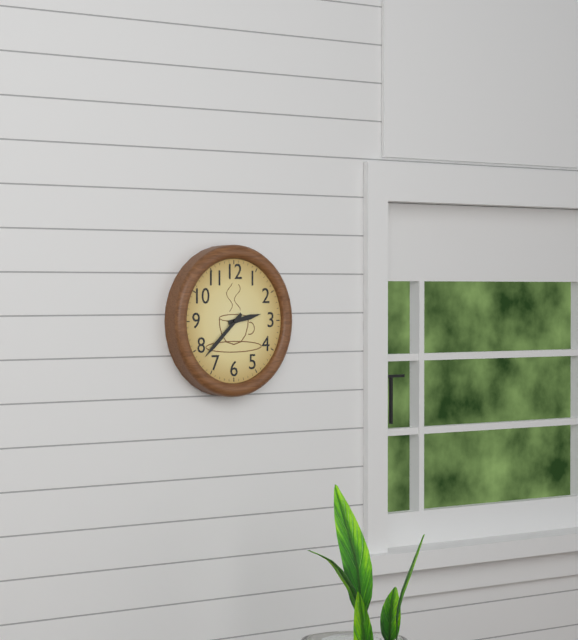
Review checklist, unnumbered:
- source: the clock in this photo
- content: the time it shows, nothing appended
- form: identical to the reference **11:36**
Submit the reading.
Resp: **2:38**
